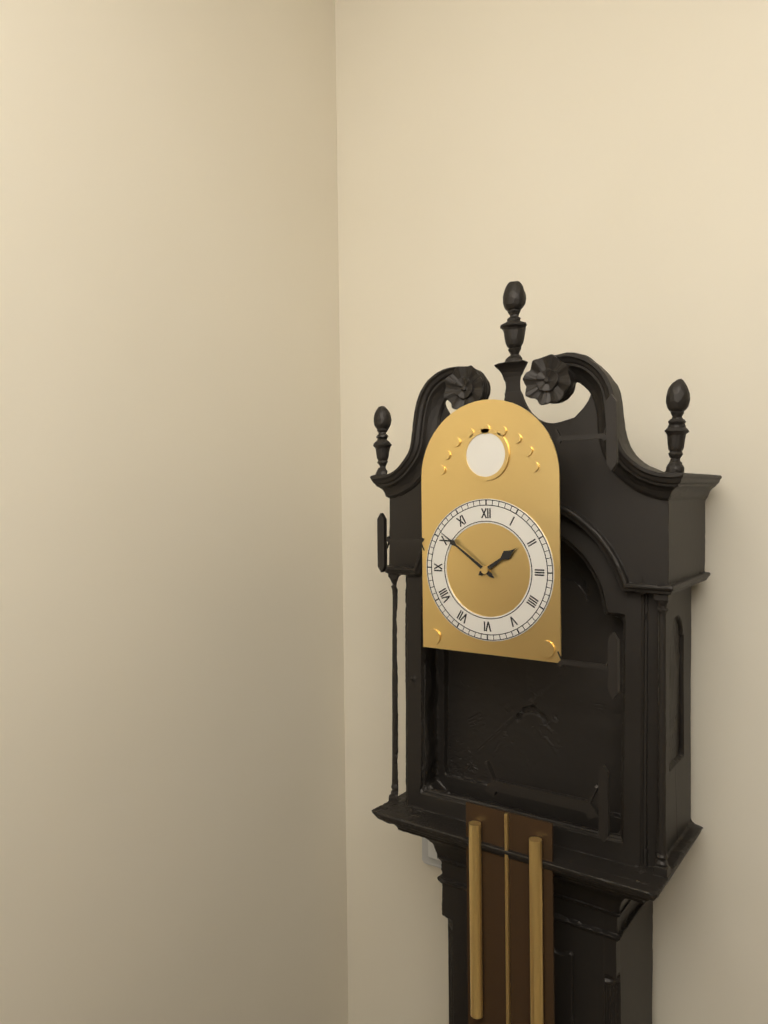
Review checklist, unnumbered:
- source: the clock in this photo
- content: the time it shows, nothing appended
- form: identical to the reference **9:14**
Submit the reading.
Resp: **1:51**
